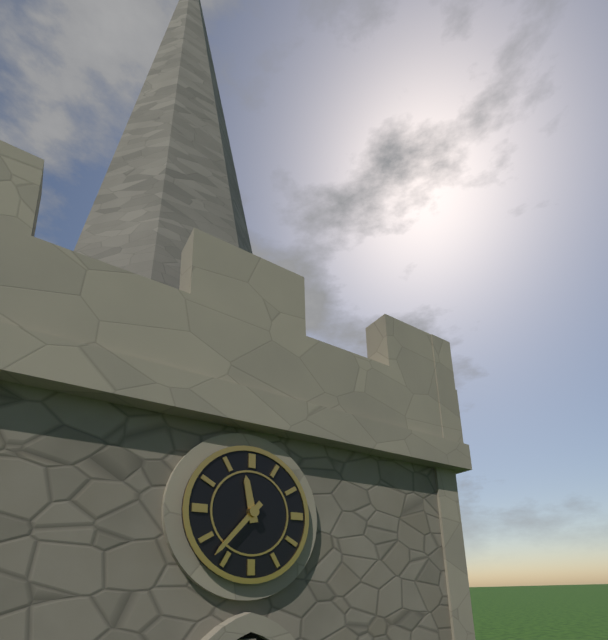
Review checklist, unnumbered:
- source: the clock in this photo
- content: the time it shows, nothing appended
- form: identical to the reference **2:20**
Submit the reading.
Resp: **11:37**
